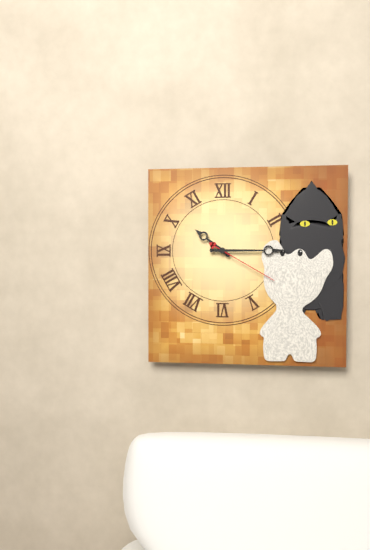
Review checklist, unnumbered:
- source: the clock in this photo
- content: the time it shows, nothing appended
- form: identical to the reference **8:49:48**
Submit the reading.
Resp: **10:15:20**
